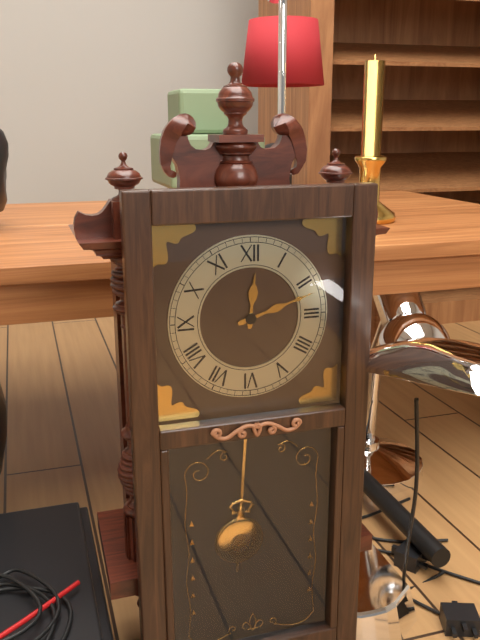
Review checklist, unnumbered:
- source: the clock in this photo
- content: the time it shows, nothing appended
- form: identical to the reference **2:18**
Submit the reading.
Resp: **12:12**
